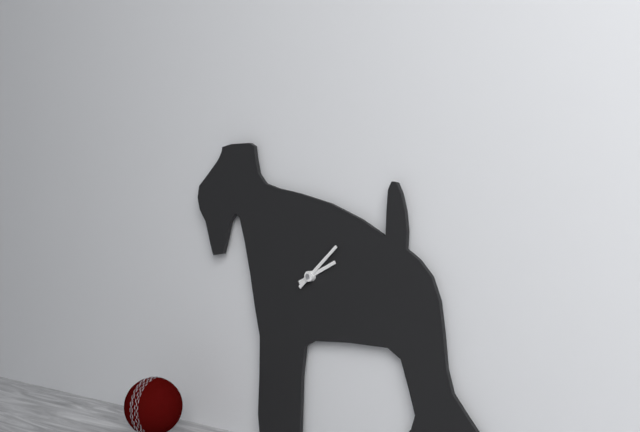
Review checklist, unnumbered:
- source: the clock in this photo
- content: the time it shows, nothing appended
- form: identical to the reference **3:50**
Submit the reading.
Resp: **2:08**
